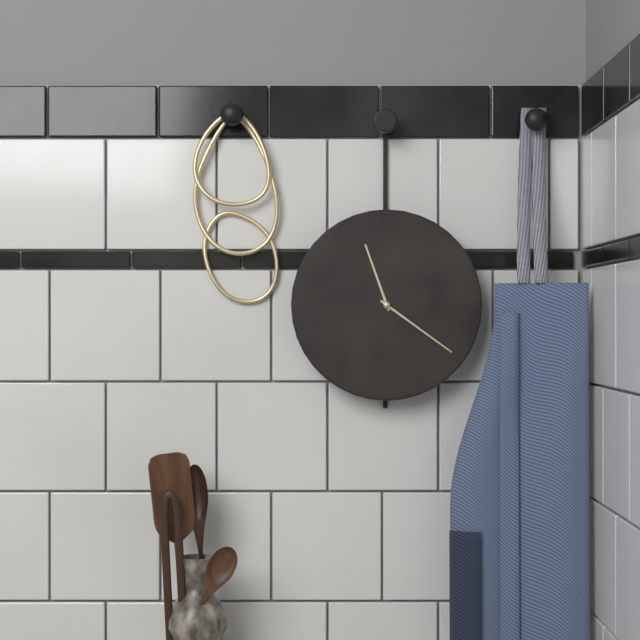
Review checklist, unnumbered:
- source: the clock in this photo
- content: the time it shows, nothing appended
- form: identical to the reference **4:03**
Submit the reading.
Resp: **11:21**
